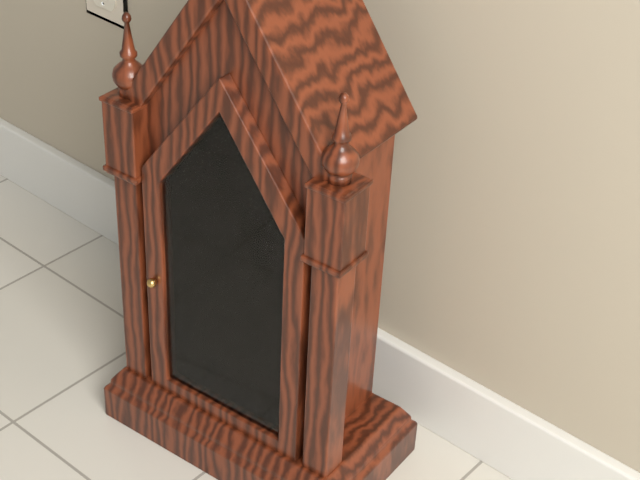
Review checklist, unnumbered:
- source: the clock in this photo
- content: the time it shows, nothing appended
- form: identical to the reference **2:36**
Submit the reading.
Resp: **3:20**
